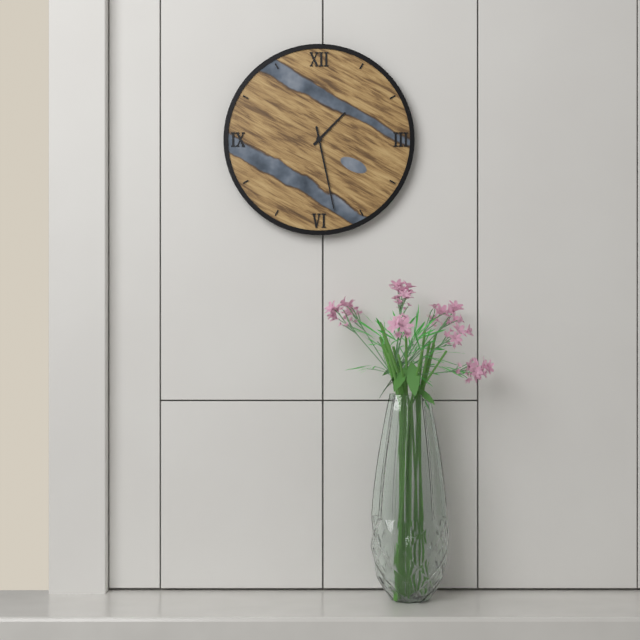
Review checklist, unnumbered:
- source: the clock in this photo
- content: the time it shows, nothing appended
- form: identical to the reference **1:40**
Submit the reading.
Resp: **1:28**
